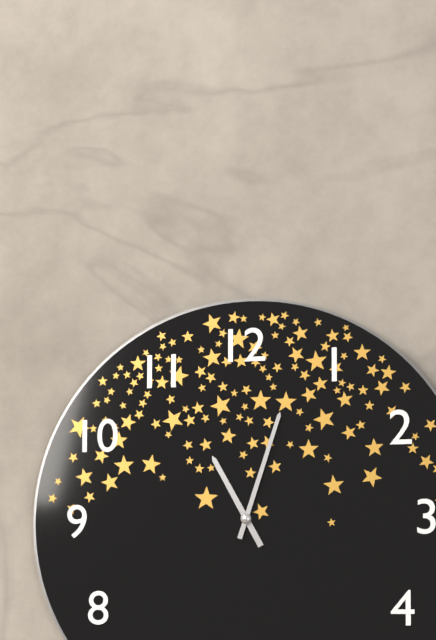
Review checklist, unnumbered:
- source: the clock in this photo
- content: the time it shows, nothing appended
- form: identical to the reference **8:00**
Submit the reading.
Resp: **11:03**
